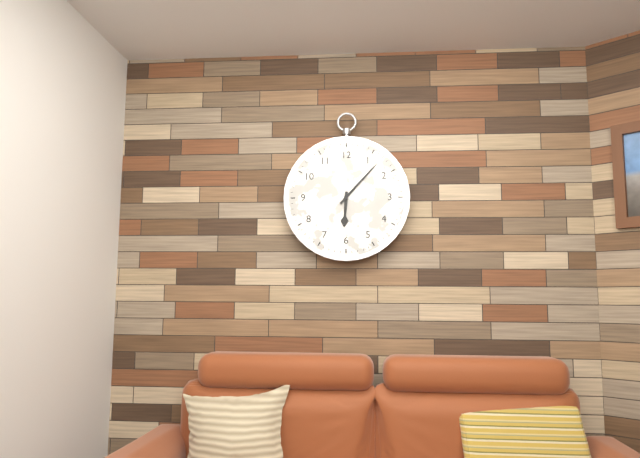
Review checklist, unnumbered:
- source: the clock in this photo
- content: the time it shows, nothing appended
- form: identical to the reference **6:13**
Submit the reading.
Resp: **6:07**
